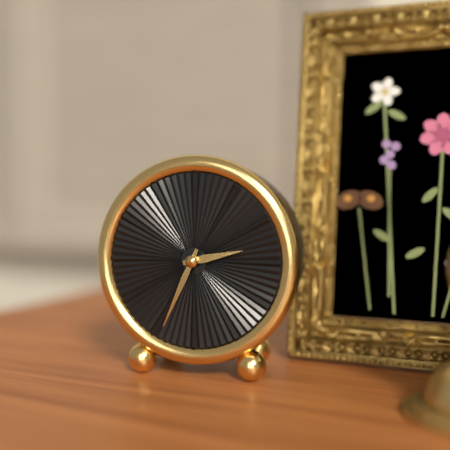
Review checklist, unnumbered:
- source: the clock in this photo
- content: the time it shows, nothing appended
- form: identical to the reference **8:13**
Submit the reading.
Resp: **2:34**
